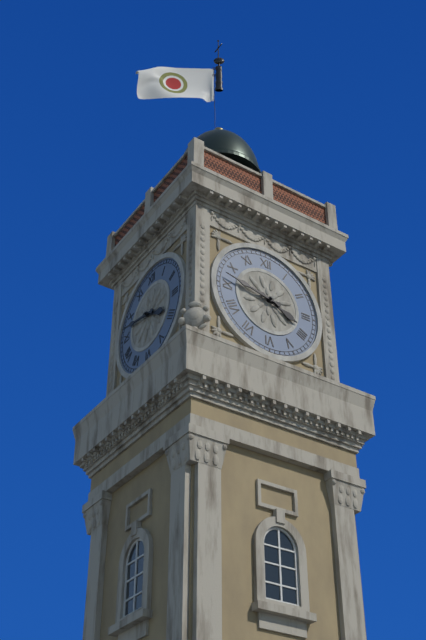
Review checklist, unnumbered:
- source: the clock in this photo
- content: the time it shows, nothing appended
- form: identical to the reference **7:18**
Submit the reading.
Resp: **3:47**
